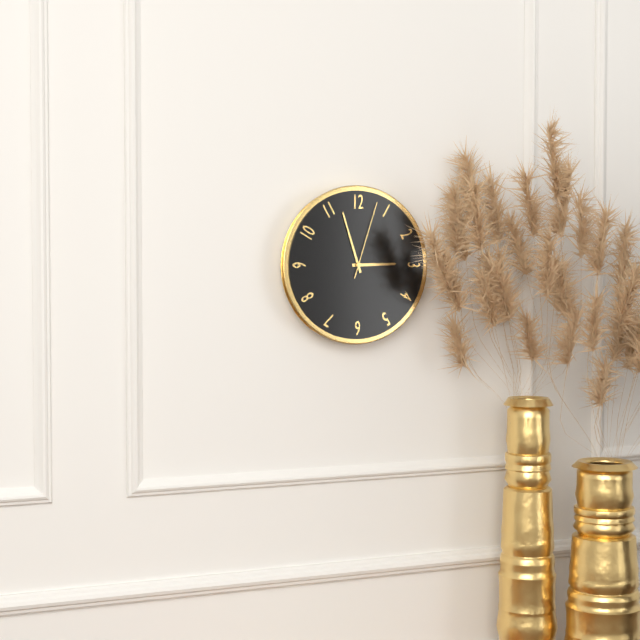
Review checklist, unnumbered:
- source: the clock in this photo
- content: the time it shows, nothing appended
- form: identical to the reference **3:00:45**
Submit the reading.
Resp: **2:57:03**
